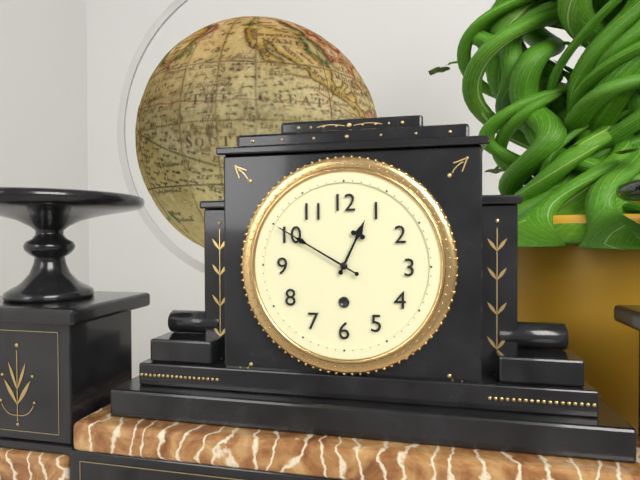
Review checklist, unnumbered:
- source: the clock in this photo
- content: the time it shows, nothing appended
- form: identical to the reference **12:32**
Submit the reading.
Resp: **12:50**
